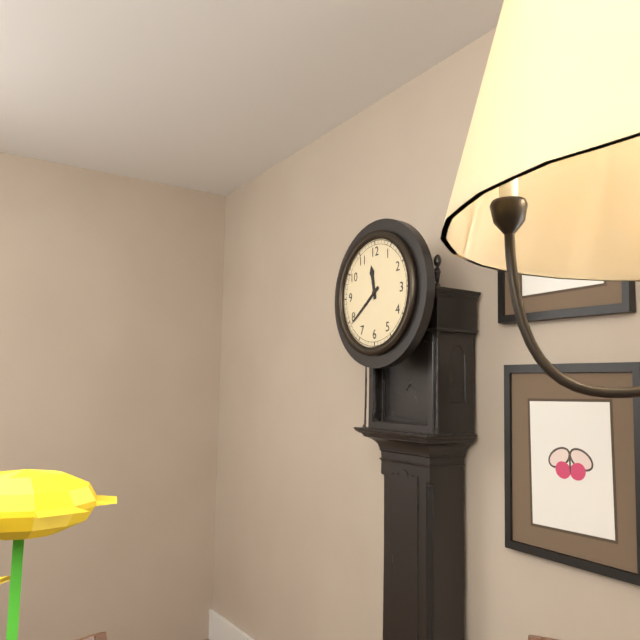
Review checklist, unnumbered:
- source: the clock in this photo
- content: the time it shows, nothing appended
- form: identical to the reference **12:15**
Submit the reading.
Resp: **11:39**
